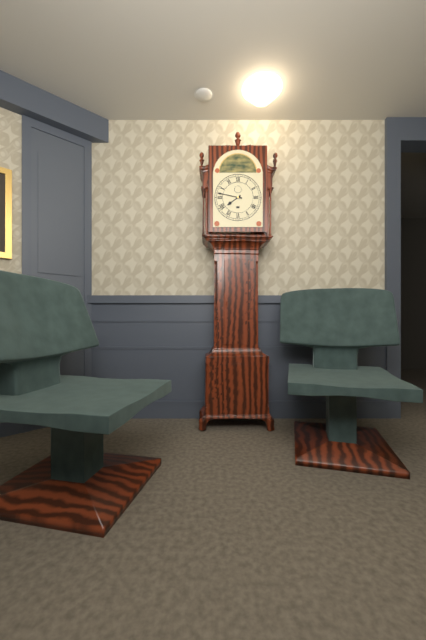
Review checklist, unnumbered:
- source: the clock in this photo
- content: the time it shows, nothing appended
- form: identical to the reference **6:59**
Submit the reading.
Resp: **7:47**
